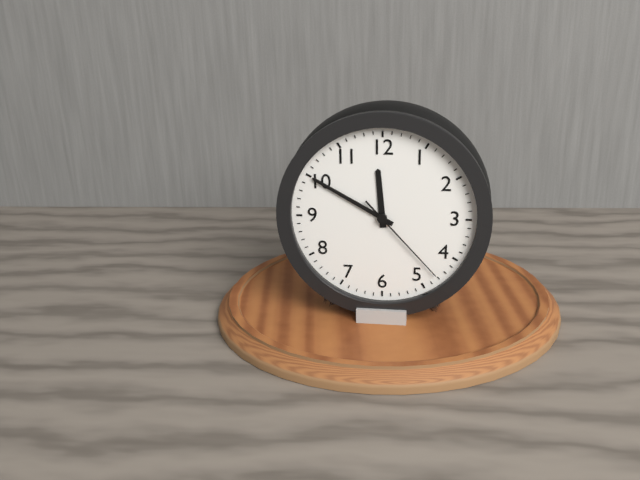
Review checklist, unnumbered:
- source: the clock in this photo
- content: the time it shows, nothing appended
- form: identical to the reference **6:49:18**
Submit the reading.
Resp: **11:50:23**
